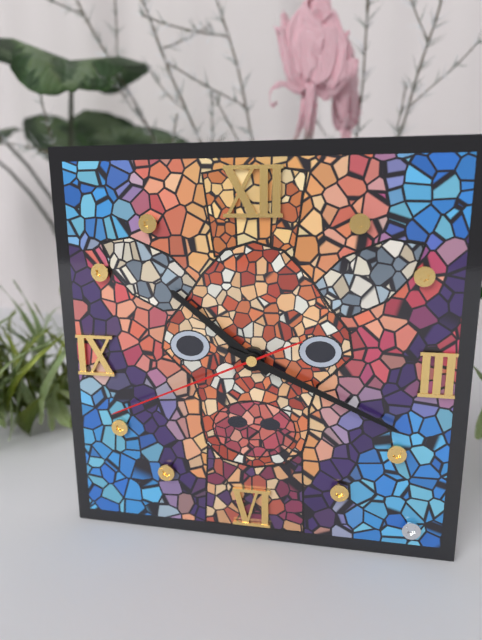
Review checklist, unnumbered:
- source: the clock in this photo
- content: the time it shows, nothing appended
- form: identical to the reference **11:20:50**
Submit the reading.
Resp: **10:19:41**
